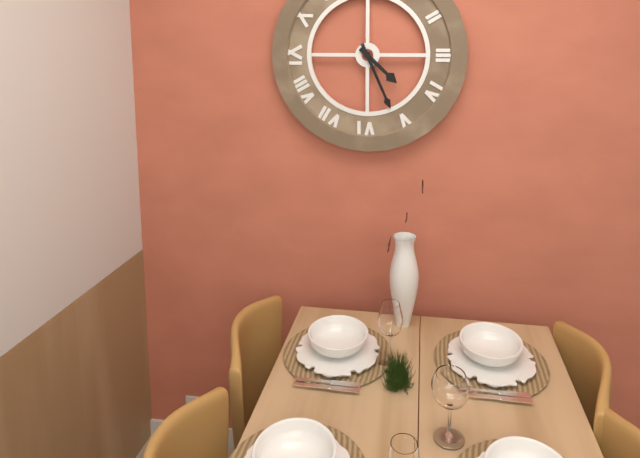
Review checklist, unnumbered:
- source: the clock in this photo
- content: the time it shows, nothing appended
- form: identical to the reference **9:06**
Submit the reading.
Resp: **4:26**
